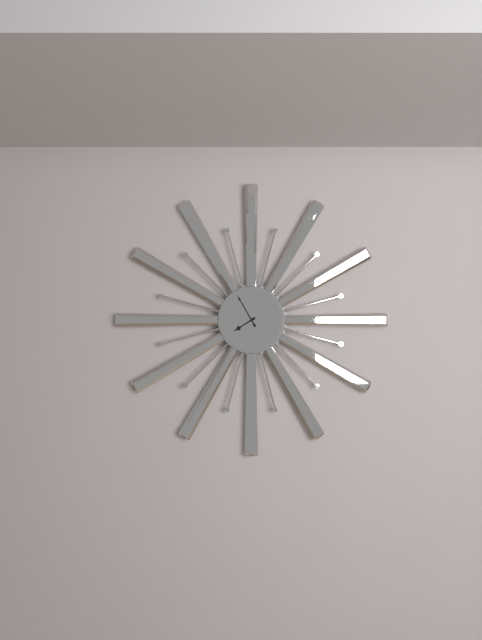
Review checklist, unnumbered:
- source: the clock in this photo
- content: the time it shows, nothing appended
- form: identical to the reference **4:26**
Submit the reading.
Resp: **7:55**
